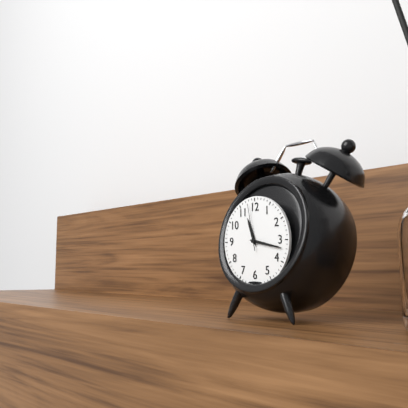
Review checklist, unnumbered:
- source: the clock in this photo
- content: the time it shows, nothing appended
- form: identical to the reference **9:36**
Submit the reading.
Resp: **11:17**
